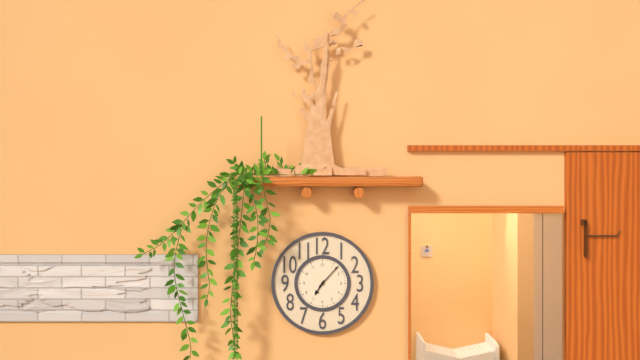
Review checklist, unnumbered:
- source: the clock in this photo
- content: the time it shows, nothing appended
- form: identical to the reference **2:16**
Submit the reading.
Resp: **7:07**
